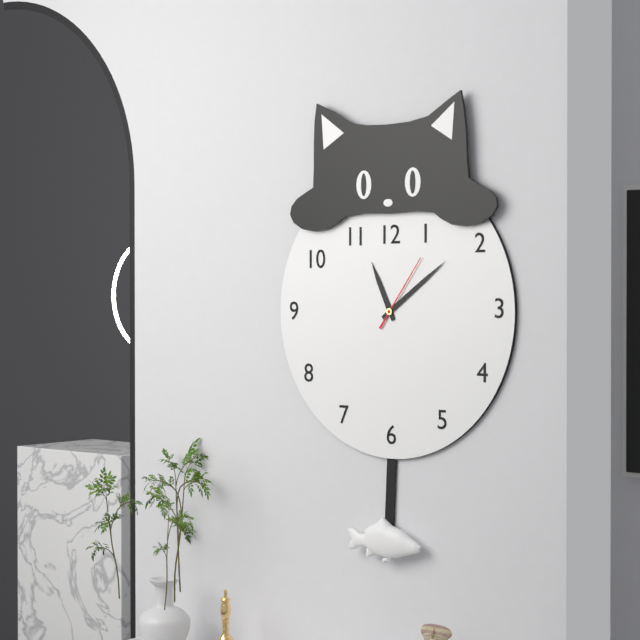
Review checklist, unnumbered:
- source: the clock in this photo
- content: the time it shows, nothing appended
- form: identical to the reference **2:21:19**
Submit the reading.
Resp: **11:09:06**
